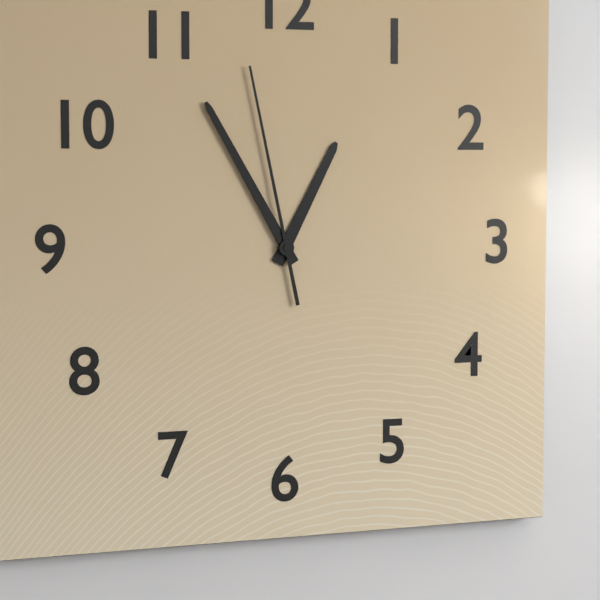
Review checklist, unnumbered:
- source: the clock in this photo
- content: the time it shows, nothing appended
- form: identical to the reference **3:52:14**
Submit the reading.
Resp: **12:55:58**
